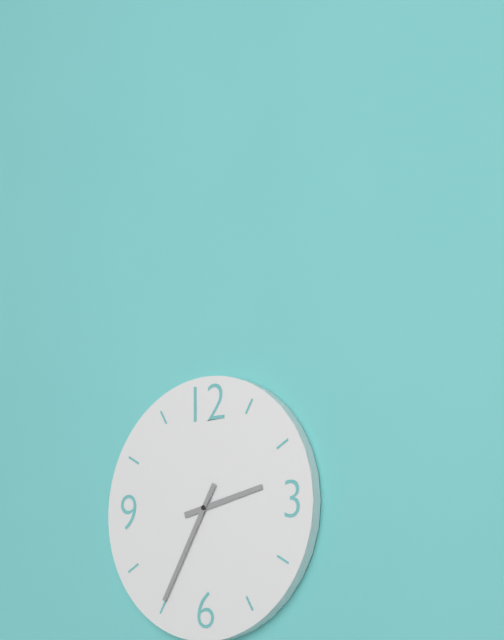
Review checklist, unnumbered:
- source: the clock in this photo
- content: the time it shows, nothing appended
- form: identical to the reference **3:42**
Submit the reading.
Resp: **2:35**
